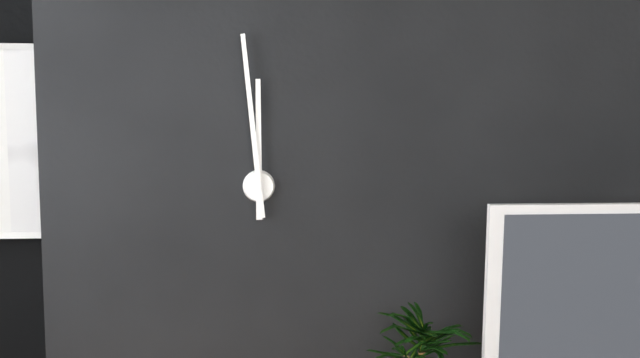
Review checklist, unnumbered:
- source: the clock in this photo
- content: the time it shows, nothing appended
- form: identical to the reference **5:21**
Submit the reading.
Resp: **11:59**
